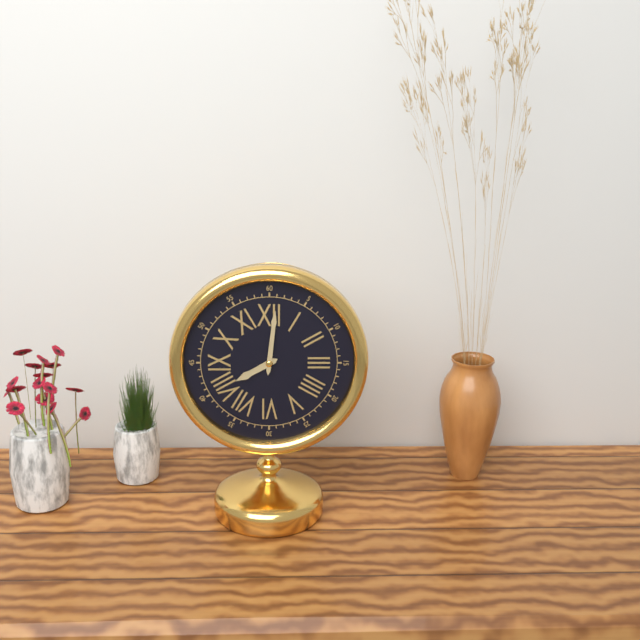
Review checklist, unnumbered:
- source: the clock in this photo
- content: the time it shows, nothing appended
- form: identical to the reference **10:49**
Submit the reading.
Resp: **8:01**
